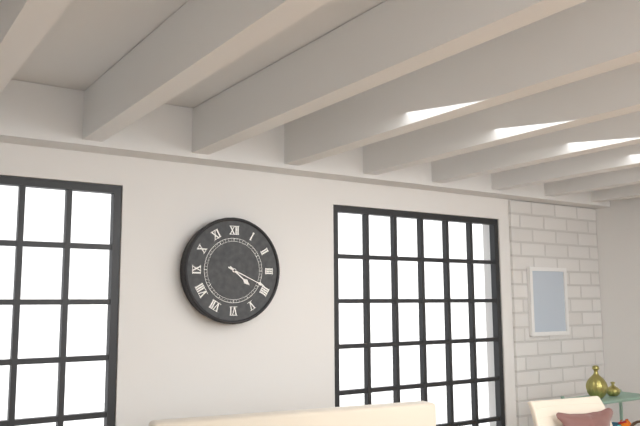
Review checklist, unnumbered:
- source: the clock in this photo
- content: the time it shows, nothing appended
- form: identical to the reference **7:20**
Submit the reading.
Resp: **4:19**
